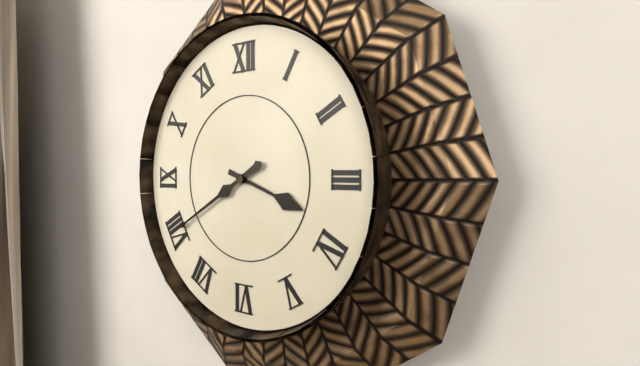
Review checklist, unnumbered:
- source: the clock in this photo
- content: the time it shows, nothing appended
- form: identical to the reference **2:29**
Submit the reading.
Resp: **3:40**
